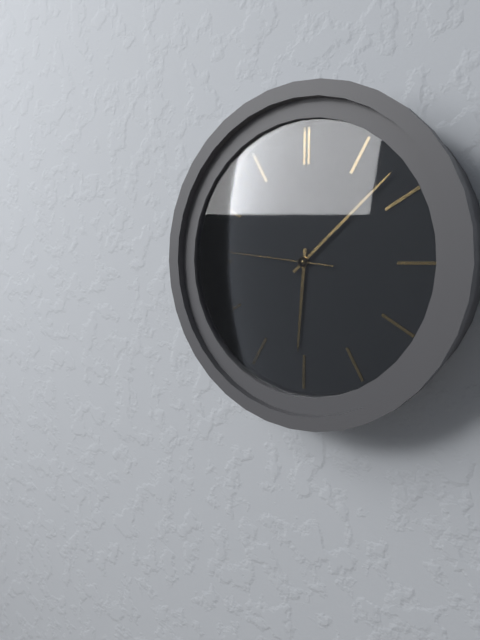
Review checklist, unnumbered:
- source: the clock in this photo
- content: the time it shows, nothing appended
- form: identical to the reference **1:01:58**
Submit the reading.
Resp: **6:08:46**
